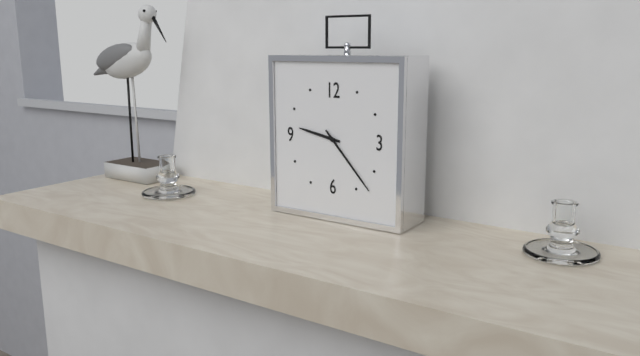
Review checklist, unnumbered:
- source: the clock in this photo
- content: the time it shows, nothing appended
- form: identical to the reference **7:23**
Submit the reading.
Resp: **9:23**
